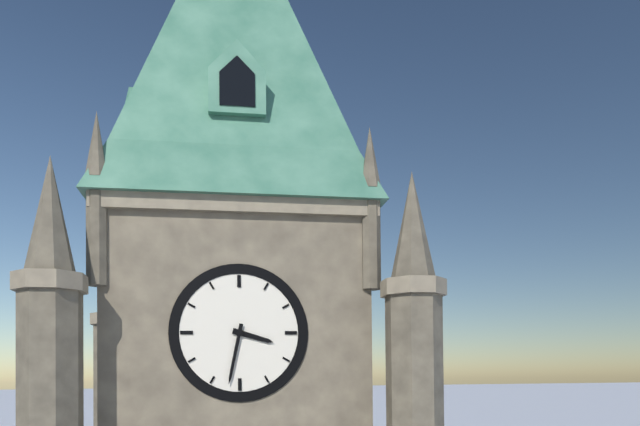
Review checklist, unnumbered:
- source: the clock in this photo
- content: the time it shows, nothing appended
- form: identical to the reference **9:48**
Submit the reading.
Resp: **3:32**
